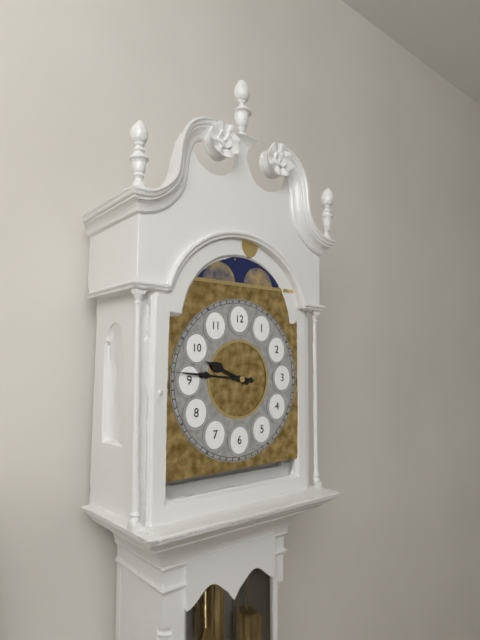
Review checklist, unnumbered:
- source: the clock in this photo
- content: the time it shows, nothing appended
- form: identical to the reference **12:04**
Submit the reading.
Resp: **9:46**
